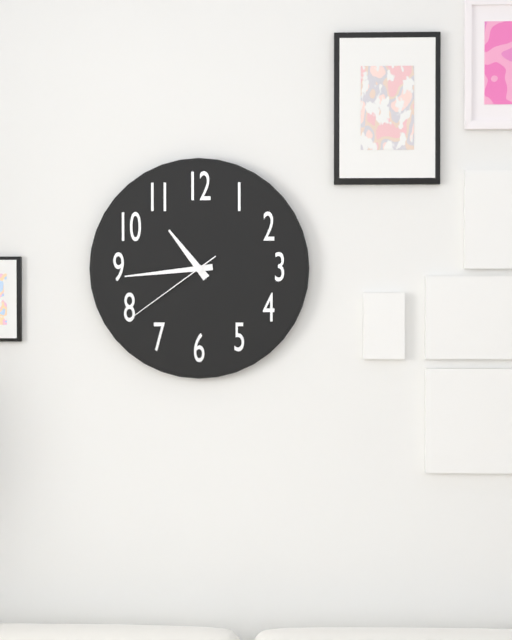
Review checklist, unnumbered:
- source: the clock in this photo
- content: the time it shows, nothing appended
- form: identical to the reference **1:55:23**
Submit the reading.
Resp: **10:44:39**
